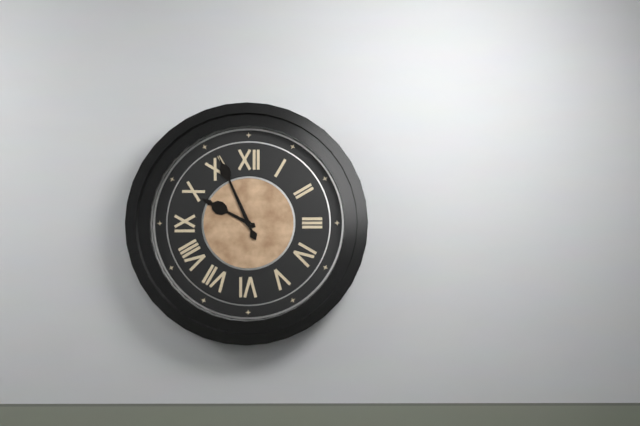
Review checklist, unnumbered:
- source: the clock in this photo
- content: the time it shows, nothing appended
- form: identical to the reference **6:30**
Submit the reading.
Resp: **9:56**
